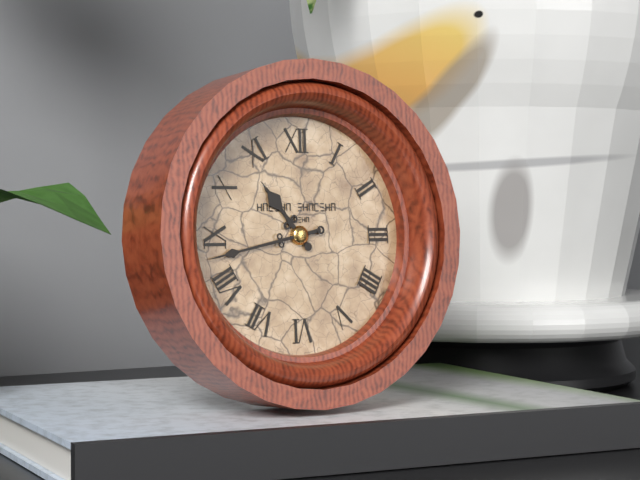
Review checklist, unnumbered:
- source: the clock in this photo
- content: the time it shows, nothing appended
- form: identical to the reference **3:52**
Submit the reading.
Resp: **10:43**
